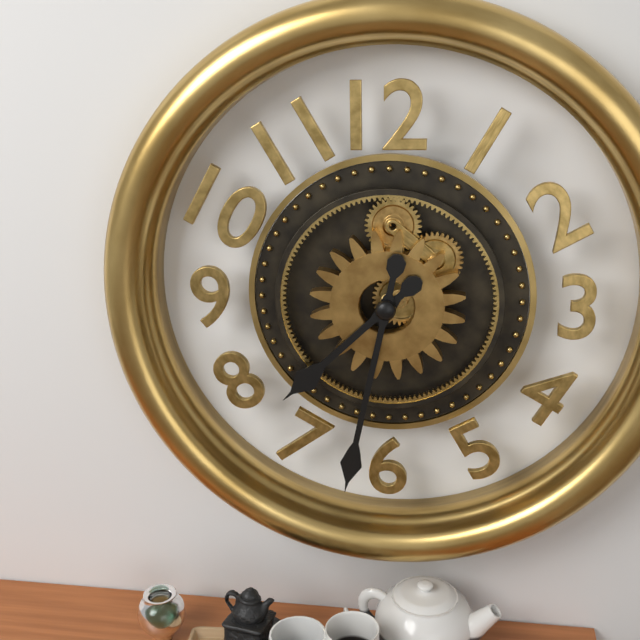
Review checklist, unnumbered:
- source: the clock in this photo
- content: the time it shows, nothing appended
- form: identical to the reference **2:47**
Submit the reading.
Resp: **7:32**
